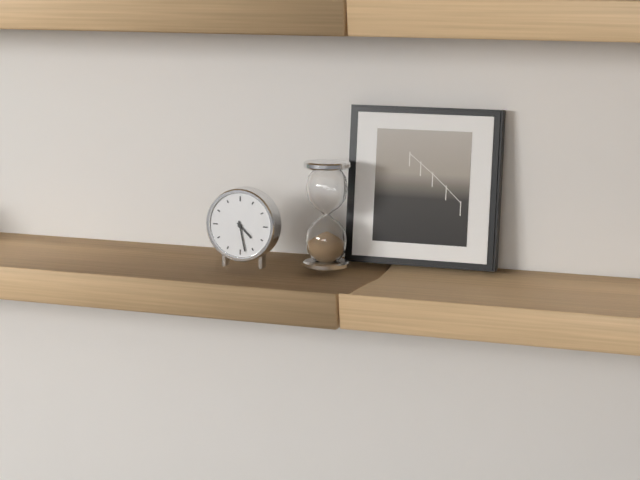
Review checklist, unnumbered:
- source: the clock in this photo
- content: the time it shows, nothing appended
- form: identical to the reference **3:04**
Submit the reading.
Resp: **4:28**
